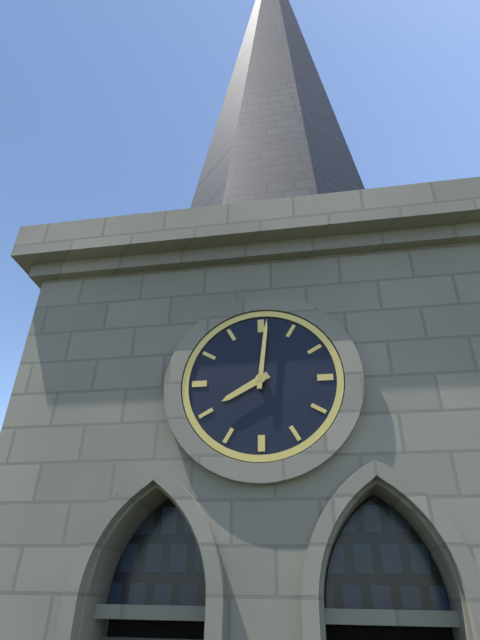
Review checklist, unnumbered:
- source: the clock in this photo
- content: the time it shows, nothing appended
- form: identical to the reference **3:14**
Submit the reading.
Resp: **8:01**
